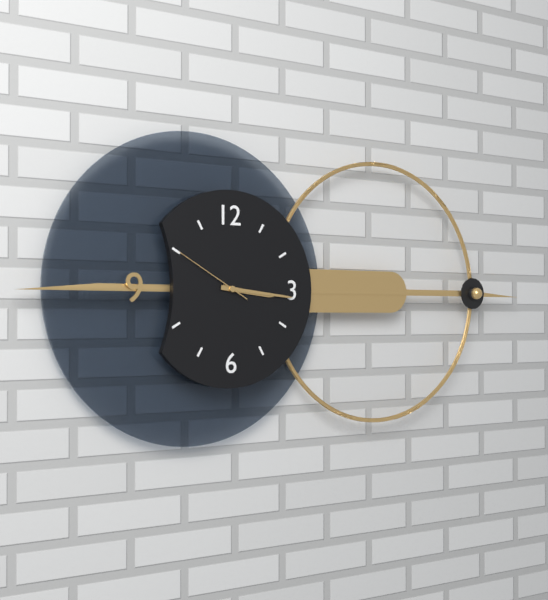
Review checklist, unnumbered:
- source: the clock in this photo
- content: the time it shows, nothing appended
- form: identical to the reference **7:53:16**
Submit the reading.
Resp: **3:16:50**
